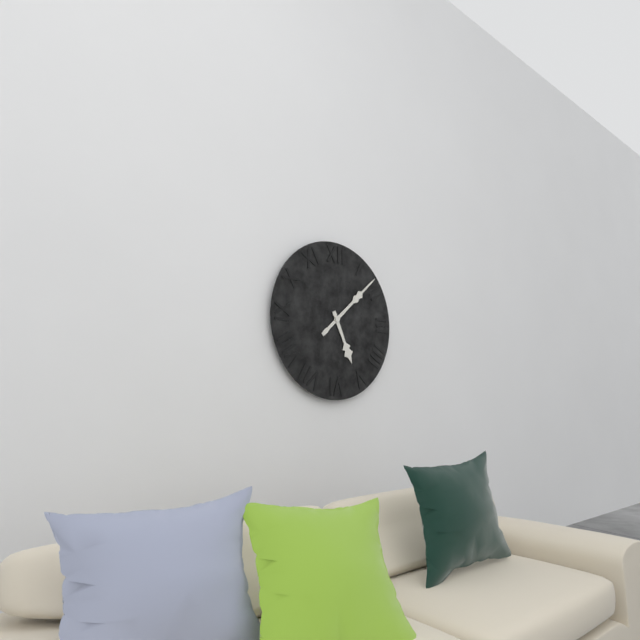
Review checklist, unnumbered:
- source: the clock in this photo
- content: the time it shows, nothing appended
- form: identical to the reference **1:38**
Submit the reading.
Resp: **5:08**
